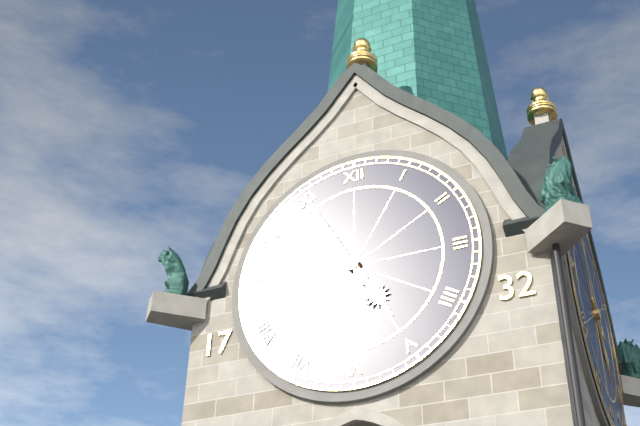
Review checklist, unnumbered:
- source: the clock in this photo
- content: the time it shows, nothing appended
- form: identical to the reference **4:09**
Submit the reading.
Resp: **4:55**
